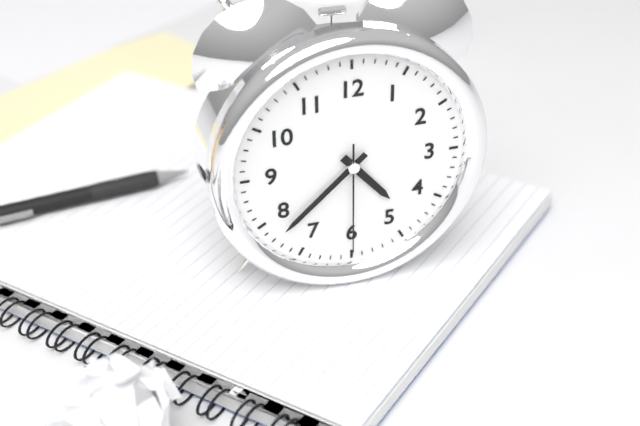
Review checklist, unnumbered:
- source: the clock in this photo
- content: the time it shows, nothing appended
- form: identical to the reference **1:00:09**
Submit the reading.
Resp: **4:38:30**
